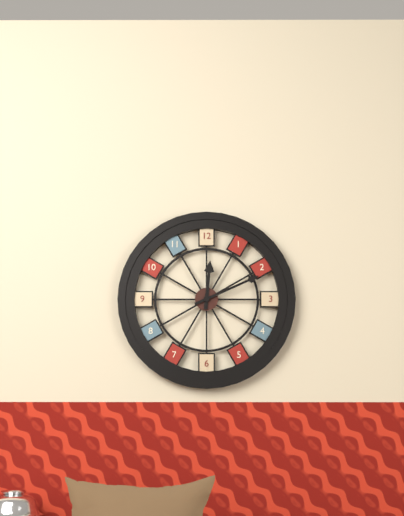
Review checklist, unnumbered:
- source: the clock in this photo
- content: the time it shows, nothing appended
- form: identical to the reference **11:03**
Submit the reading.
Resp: **12:11**
